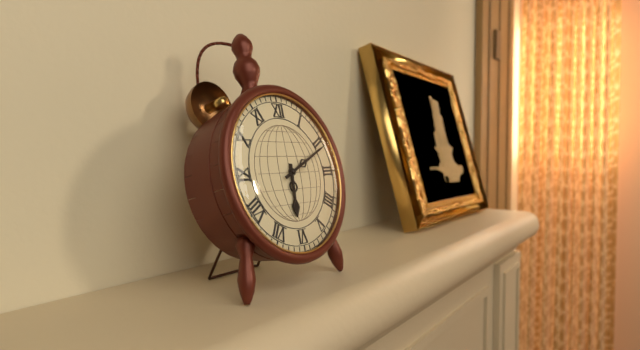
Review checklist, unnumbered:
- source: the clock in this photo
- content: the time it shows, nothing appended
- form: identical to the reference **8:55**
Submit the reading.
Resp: **6:11**
